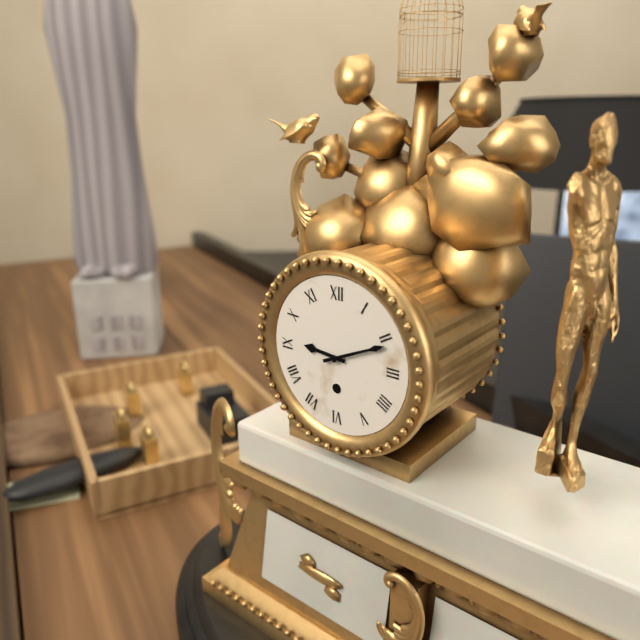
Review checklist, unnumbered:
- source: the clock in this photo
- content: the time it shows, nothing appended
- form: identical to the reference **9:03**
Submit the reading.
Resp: **9:11**
